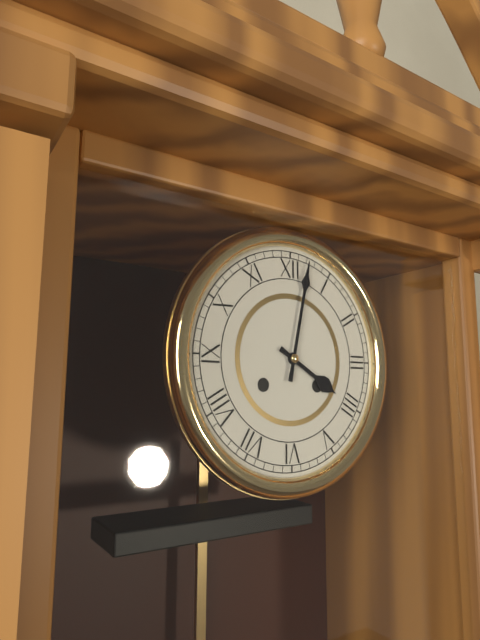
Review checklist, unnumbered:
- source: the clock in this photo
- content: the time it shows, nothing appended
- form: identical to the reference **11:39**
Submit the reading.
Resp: **4:02**
